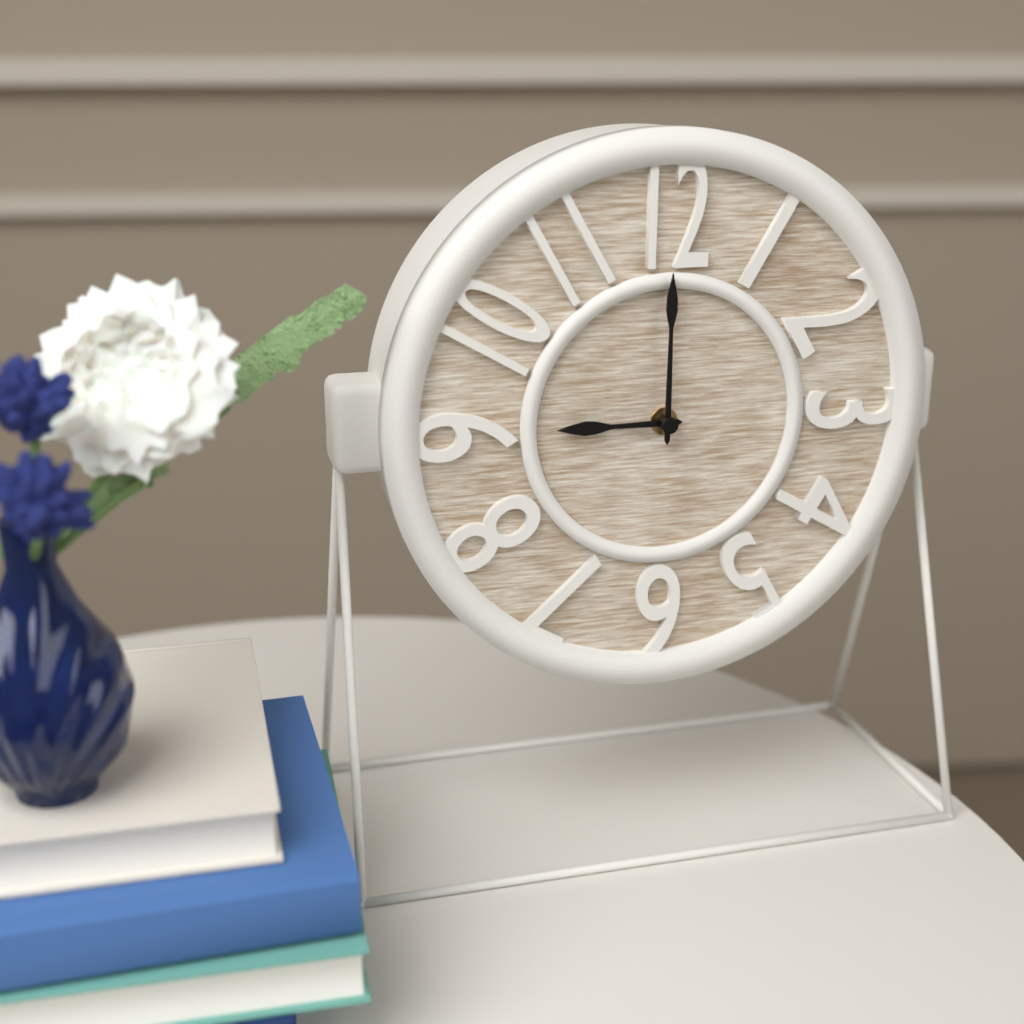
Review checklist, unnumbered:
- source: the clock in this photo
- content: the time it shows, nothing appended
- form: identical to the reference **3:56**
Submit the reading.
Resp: **9:00**
